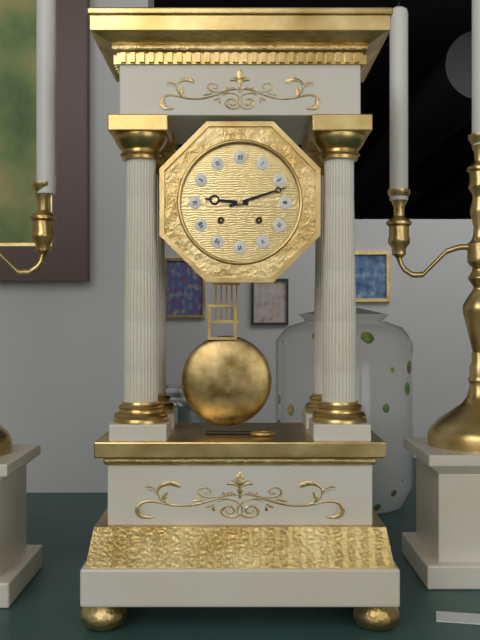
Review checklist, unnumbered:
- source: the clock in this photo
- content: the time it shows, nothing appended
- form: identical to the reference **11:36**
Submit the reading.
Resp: **9:12**
